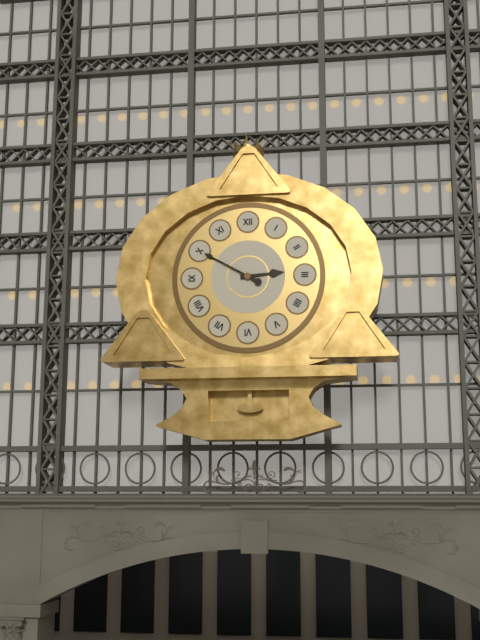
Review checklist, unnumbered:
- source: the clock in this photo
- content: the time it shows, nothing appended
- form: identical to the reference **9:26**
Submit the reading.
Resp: **2:50**
